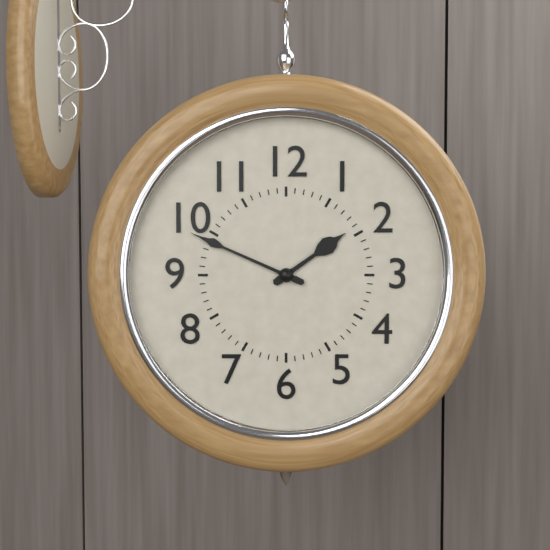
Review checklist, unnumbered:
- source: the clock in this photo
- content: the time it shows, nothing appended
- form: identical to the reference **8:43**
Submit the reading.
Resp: **1:49**
